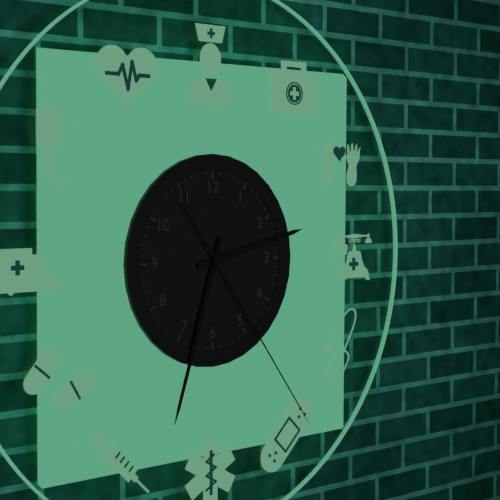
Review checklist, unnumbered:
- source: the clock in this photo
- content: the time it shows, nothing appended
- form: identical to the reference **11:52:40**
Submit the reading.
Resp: **2:33:24**
